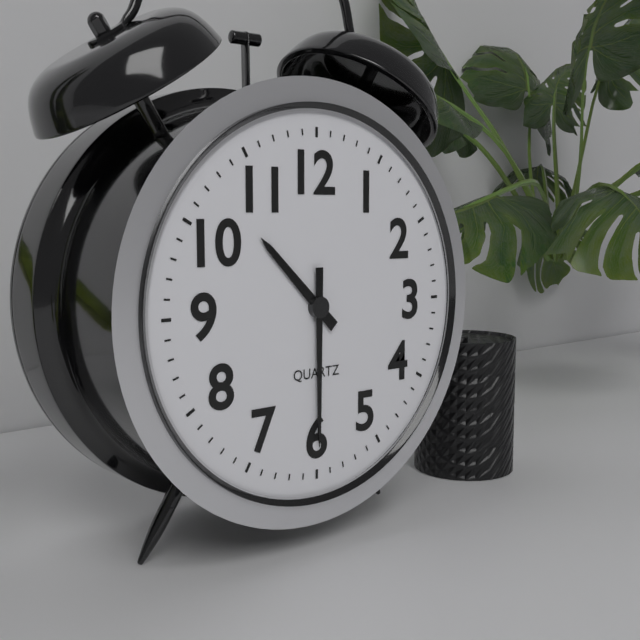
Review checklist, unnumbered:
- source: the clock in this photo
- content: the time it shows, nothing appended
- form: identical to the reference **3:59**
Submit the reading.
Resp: **10:30**
